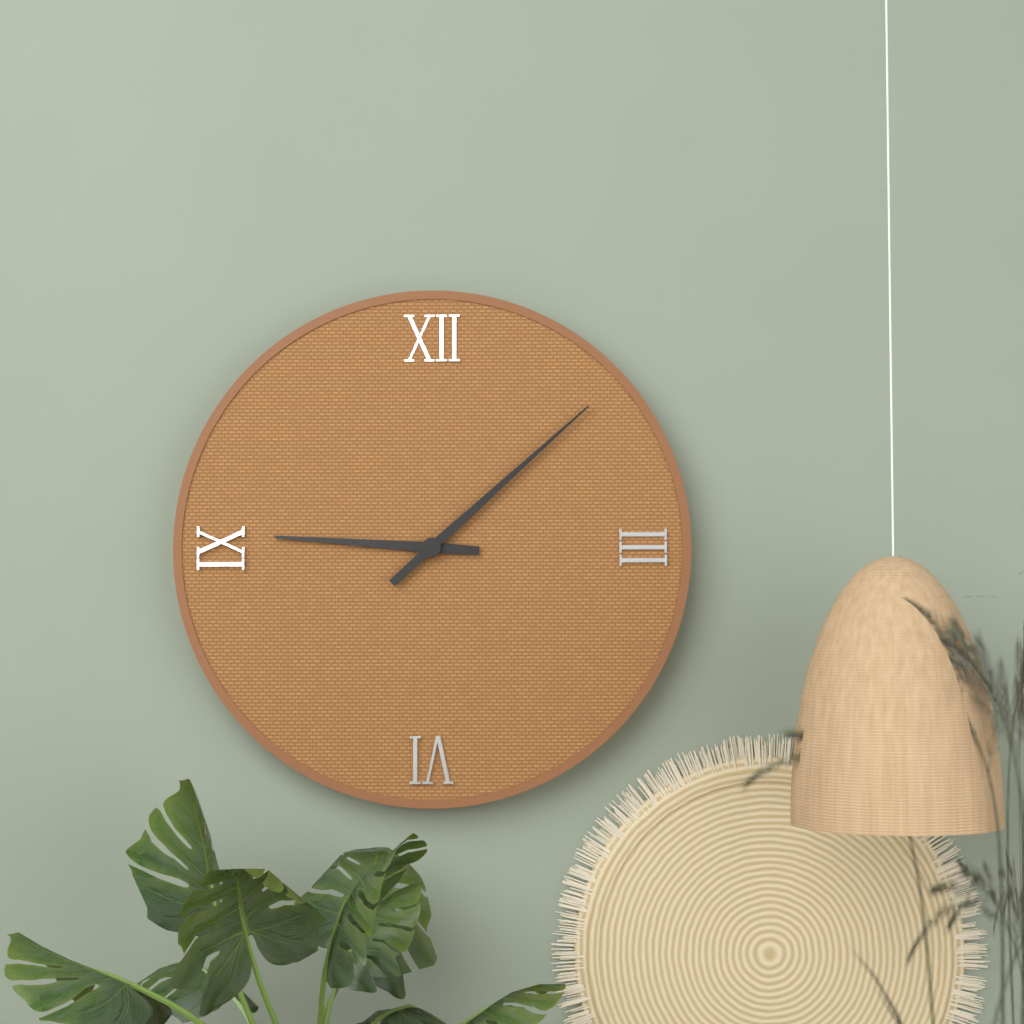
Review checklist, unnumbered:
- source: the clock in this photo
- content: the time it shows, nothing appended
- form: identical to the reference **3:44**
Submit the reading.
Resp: **9:08**
